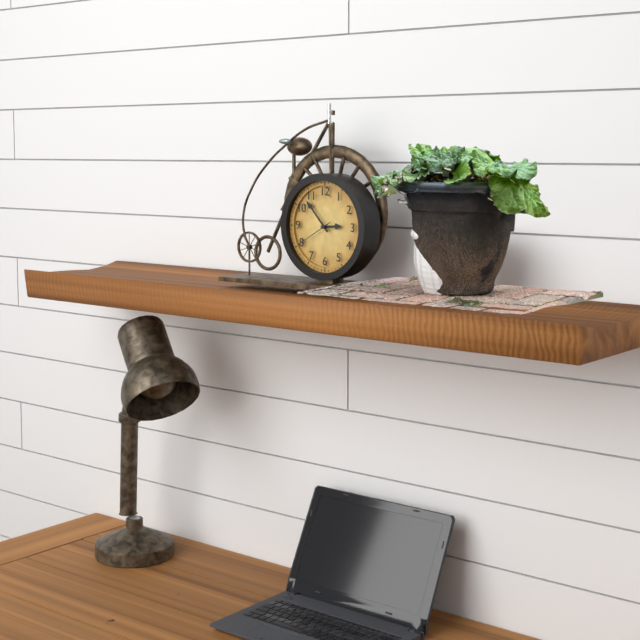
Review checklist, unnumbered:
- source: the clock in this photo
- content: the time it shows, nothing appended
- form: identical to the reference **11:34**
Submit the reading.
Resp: **2:53**
